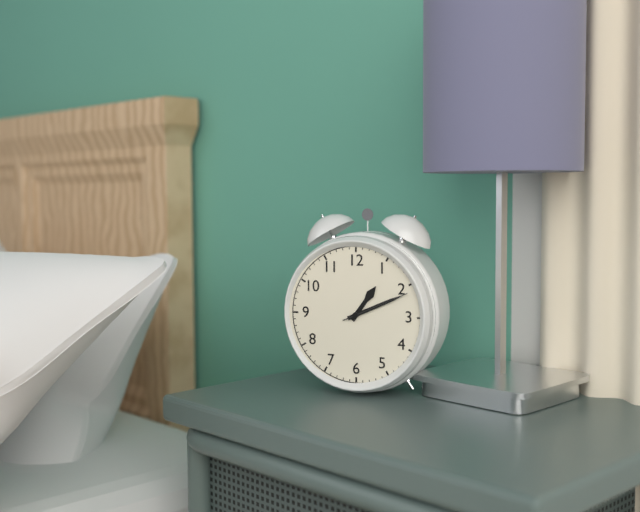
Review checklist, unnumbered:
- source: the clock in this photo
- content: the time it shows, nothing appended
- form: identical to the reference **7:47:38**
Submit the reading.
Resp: **1:11:11**
